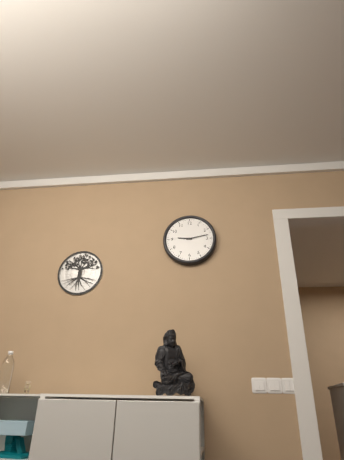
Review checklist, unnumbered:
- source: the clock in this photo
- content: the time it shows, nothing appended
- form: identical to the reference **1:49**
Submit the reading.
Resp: **9:13**
